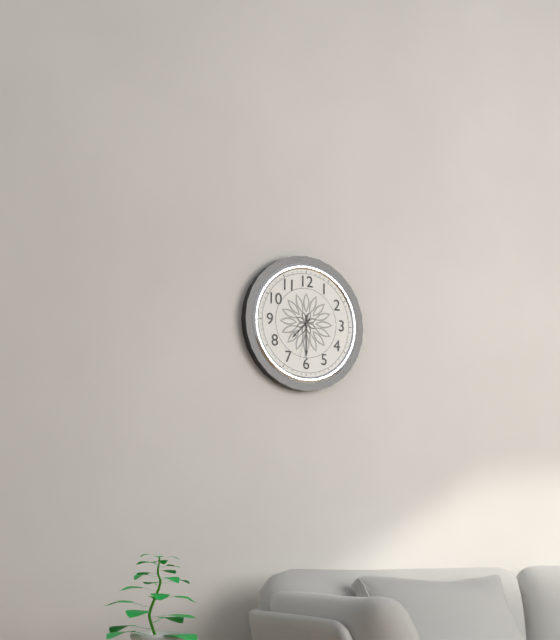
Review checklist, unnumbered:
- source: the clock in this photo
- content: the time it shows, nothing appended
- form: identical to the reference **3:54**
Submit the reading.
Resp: **7:30**
